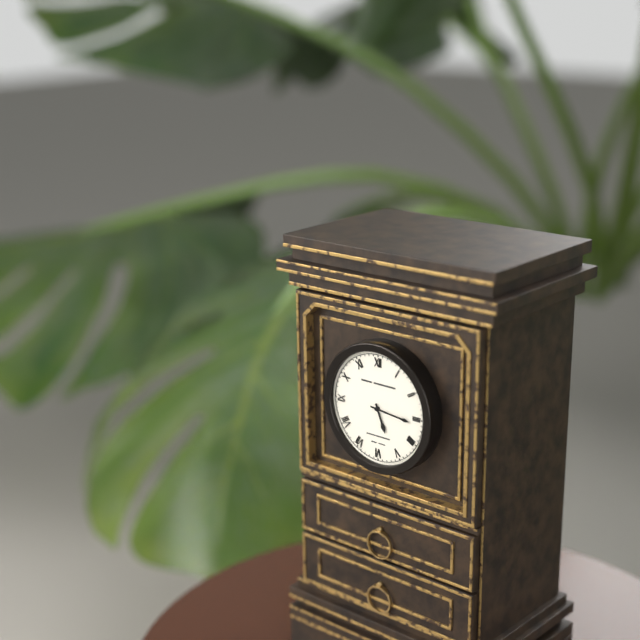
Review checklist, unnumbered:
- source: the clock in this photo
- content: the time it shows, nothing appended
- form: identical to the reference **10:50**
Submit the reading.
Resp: **5:16**
